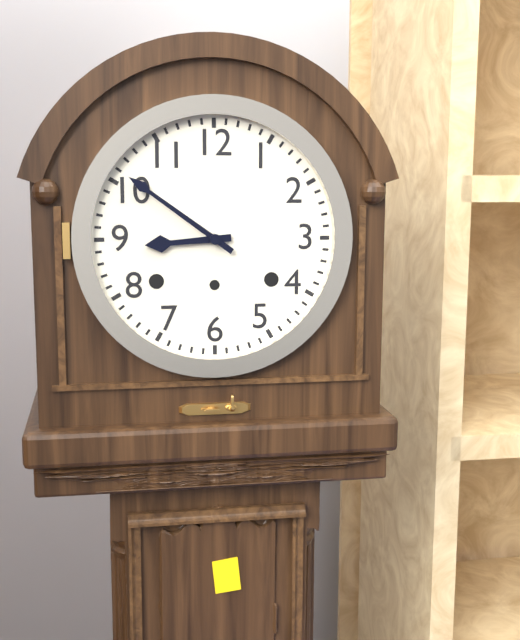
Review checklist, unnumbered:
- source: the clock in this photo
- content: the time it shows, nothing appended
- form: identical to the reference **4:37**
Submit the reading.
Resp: **8:51**
